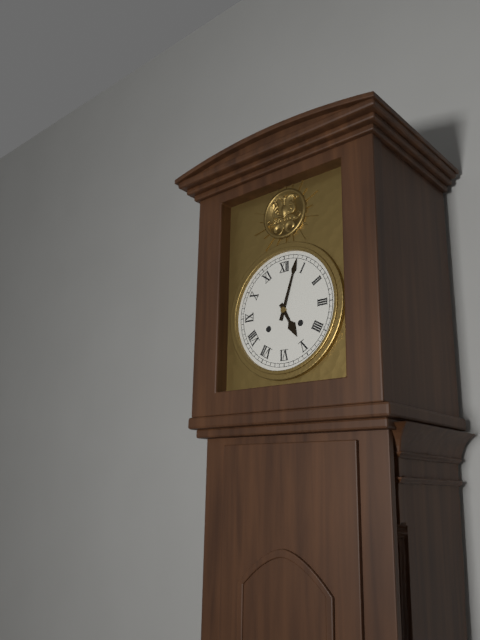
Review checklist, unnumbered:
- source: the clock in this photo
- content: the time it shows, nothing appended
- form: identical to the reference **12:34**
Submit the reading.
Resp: **5:03**
